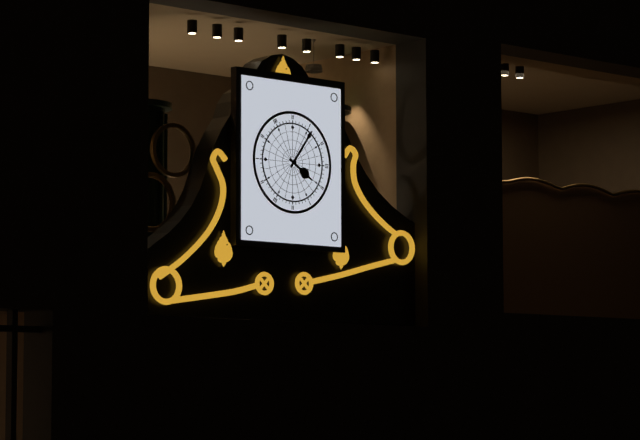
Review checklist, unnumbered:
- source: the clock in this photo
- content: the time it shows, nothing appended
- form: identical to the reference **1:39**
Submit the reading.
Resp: **4:06**
